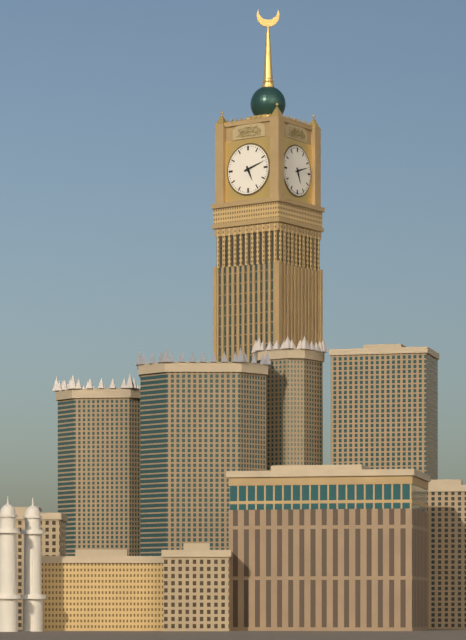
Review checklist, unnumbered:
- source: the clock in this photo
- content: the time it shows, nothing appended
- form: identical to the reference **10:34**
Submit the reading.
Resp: **5:12**
